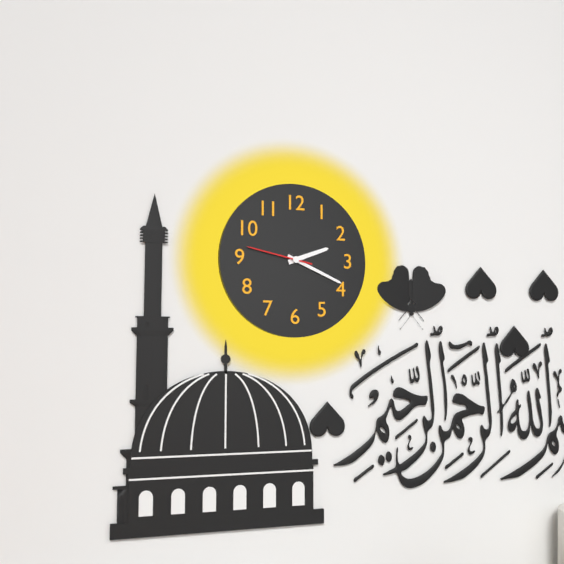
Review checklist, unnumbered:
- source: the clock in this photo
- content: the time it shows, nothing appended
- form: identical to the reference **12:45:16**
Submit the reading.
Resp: **2:19:47**
